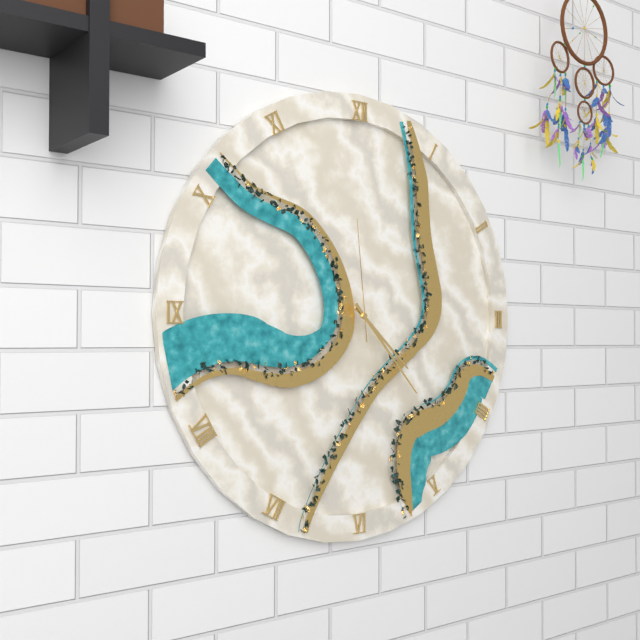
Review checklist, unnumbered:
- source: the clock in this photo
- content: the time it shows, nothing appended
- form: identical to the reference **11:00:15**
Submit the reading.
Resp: **4:23:59**
